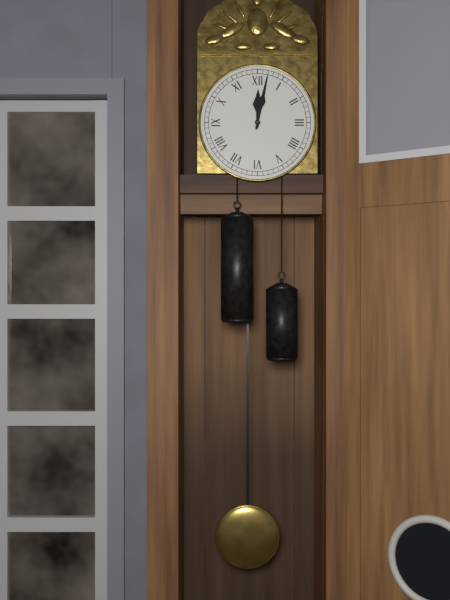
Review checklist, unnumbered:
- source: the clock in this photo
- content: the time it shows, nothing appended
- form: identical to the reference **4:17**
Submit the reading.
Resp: **12:02**
